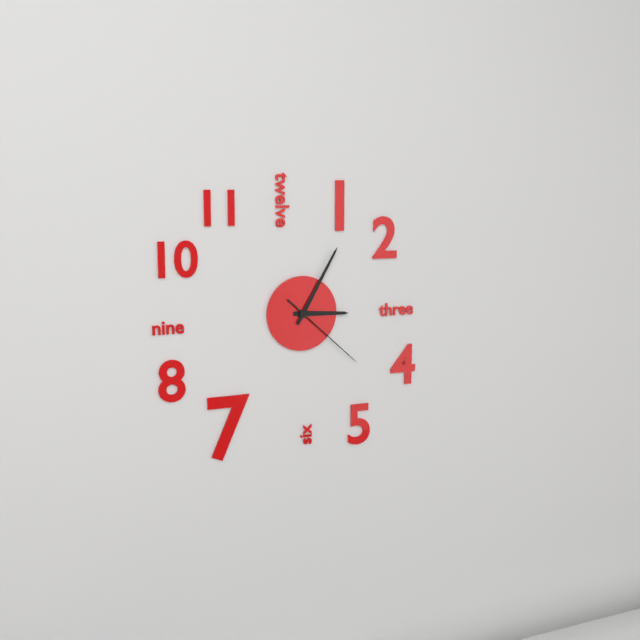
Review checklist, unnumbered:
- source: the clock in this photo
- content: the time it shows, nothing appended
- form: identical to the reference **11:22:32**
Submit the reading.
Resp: **3:05:22**
